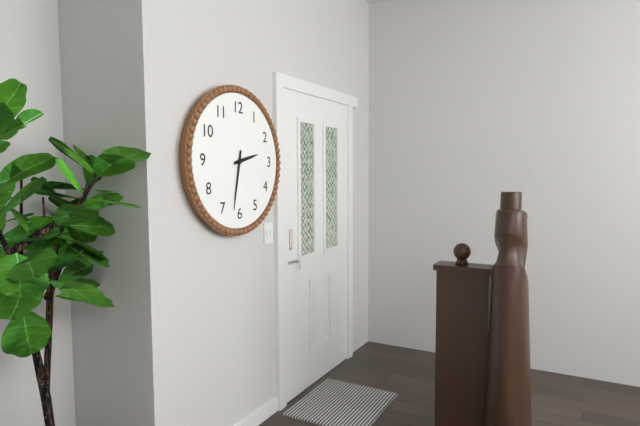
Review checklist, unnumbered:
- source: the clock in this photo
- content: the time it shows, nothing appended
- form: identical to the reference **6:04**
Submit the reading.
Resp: **2:32**
